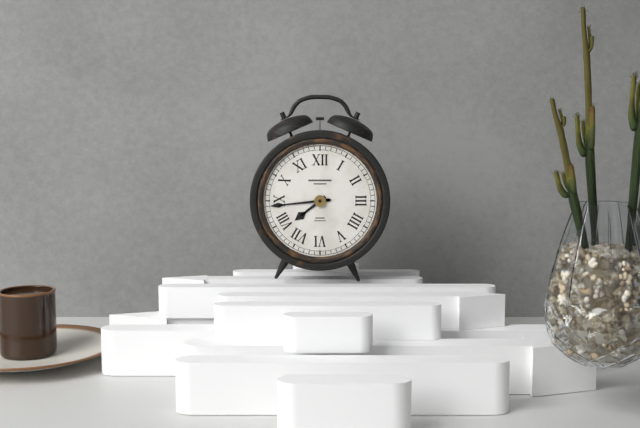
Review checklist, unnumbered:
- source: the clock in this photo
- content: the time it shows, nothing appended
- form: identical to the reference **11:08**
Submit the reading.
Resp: **7:44**
